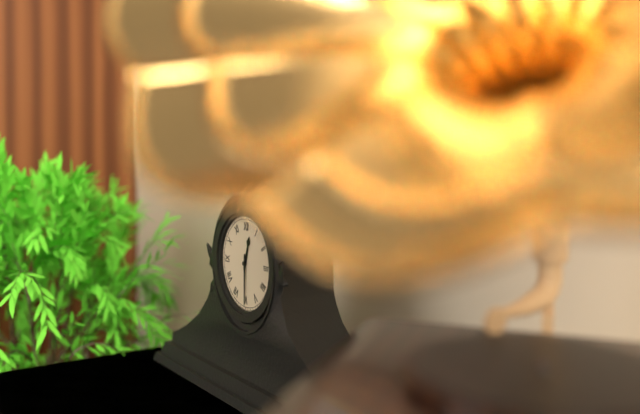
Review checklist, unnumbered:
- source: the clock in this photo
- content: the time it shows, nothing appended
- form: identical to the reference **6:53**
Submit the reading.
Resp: **12:30**
